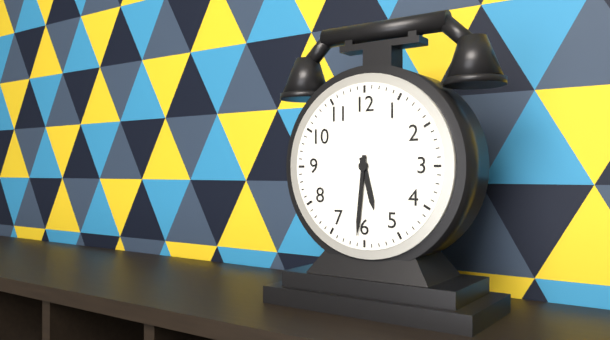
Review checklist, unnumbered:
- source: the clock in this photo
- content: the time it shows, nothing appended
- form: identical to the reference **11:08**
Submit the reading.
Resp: **5:31**
